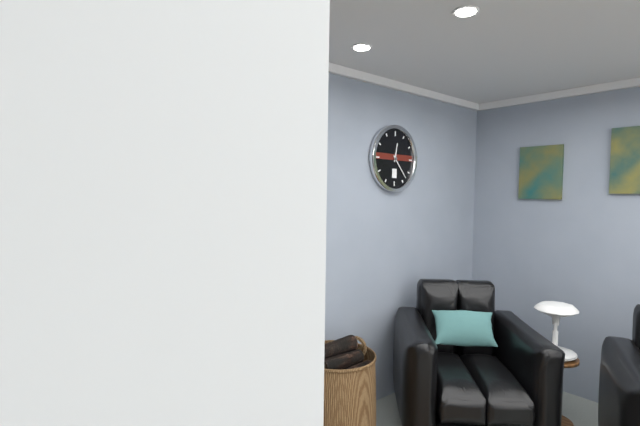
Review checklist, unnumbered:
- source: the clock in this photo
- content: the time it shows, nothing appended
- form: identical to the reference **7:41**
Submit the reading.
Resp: **12:23**
